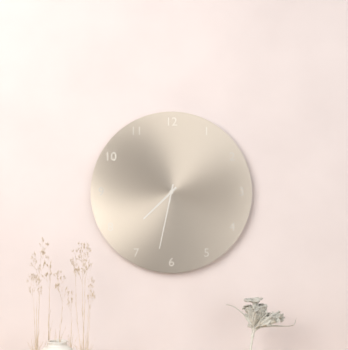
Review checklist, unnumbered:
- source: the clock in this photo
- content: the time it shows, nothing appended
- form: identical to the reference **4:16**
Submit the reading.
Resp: **7:32**
